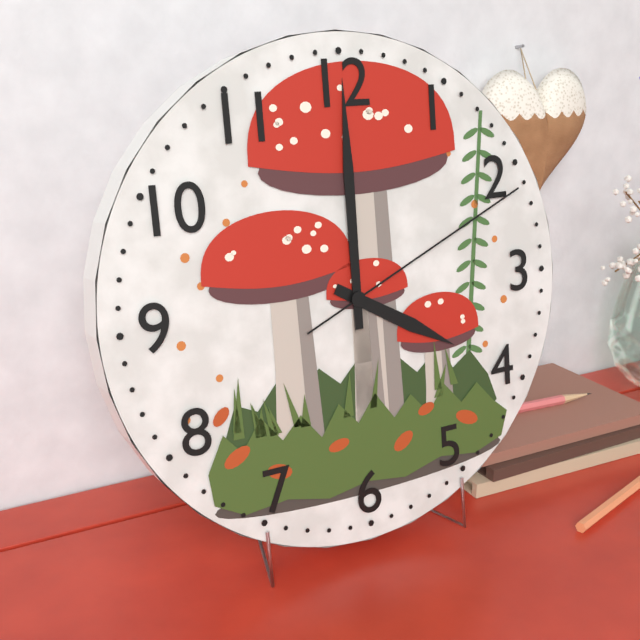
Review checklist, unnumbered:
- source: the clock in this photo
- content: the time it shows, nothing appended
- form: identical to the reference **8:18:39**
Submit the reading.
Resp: **4:00:11**
